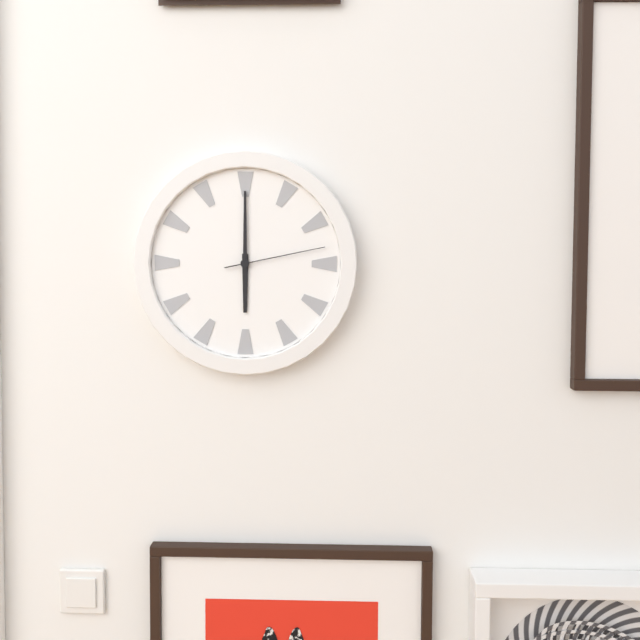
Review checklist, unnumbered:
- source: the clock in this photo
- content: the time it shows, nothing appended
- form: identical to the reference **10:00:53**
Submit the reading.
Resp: **6:00:13**
